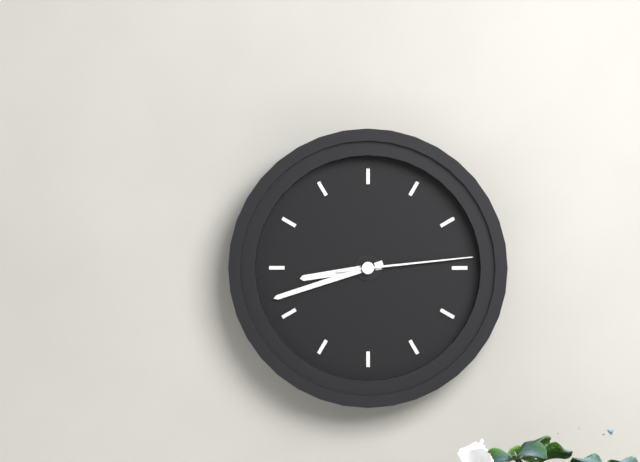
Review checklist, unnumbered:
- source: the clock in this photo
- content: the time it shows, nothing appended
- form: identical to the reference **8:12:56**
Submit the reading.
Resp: **8:42:14**
